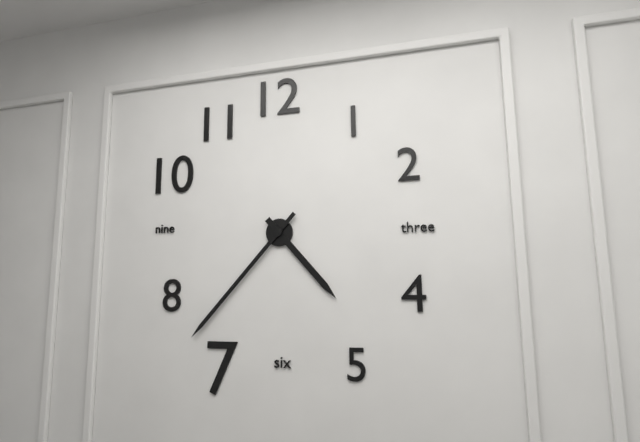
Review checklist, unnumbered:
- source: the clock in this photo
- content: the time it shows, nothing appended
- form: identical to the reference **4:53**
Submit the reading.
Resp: **4:37**
